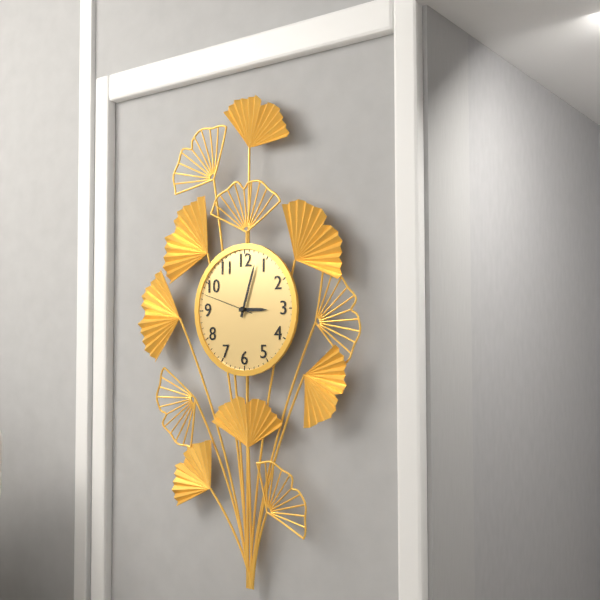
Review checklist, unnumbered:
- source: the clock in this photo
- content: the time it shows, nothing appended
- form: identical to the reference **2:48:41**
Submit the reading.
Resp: **3:03:48**
